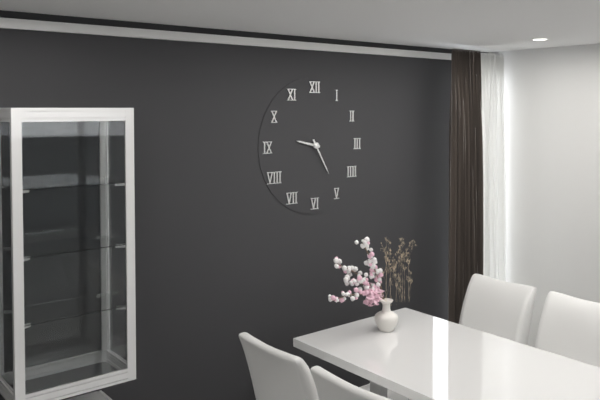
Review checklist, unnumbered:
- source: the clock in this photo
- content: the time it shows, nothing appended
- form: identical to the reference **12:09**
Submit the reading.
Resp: **9:25**
